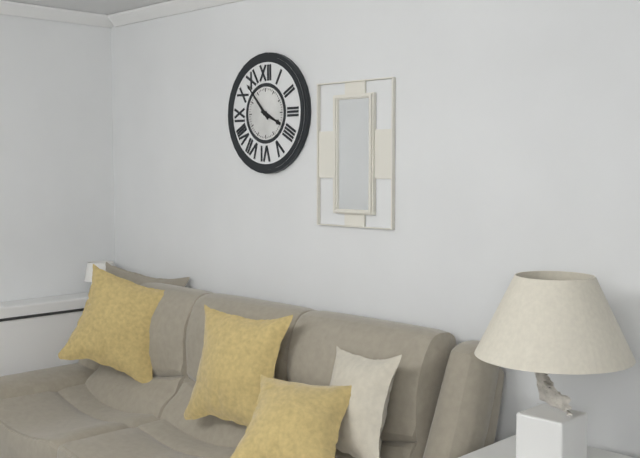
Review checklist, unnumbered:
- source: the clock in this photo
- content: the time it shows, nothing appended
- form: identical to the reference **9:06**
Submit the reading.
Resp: **3:53**
